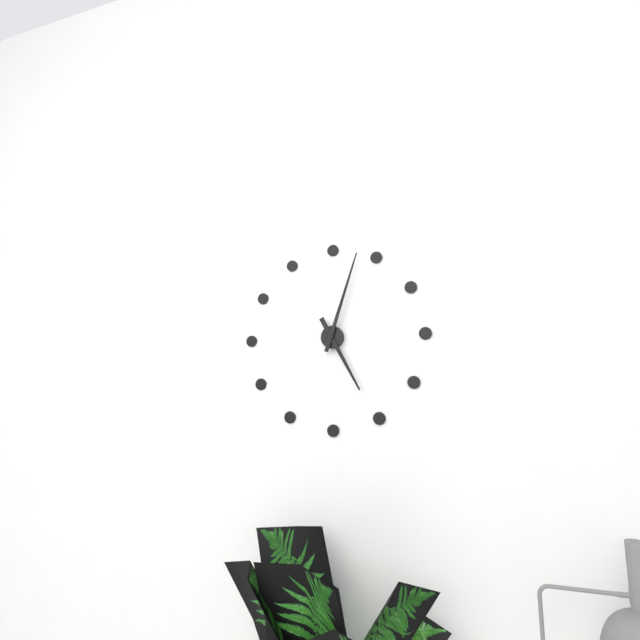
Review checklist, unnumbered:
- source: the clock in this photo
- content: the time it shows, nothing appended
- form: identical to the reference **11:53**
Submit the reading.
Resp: **5:03**
